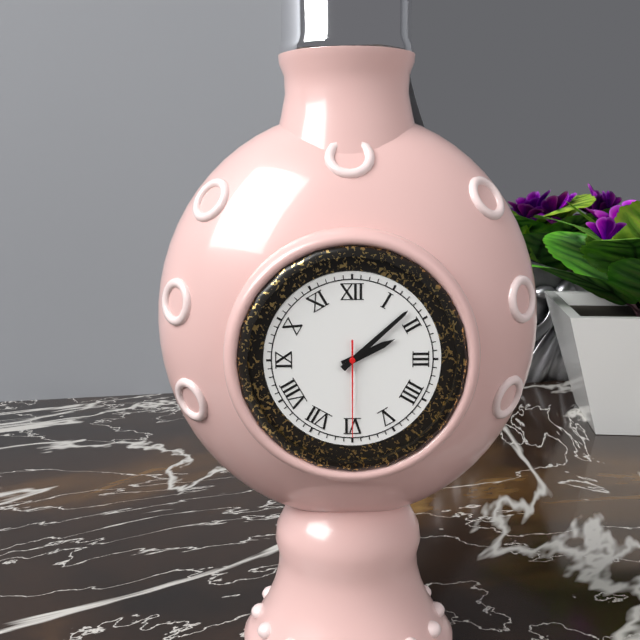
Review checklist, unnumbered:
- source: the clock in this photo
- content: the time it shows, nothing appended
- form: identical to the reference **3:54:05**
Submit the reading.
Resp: **2:08:30**
